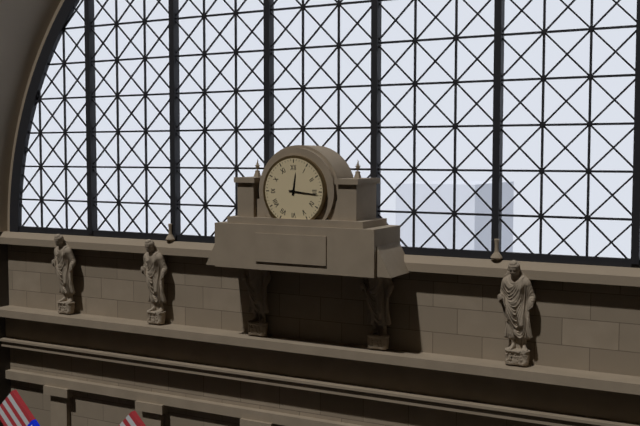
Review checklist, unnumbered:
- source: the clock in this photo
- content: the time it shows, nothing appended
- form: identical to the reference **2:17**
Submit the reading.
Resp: **12:16**
